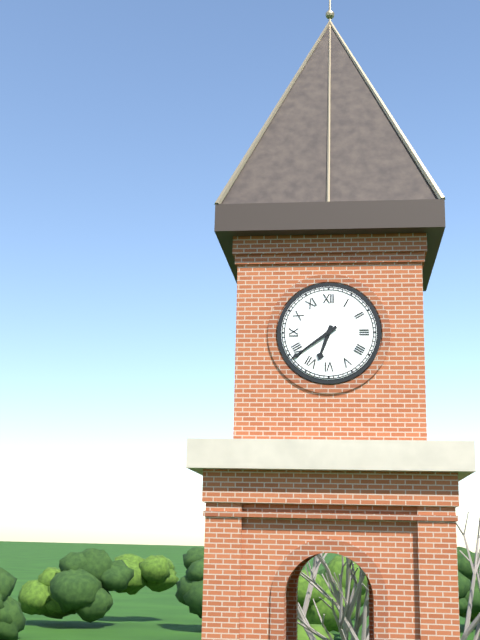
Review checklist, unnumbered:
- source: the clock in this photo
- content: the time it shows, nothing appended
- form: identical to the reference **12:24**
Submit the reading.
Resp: **6:39**
